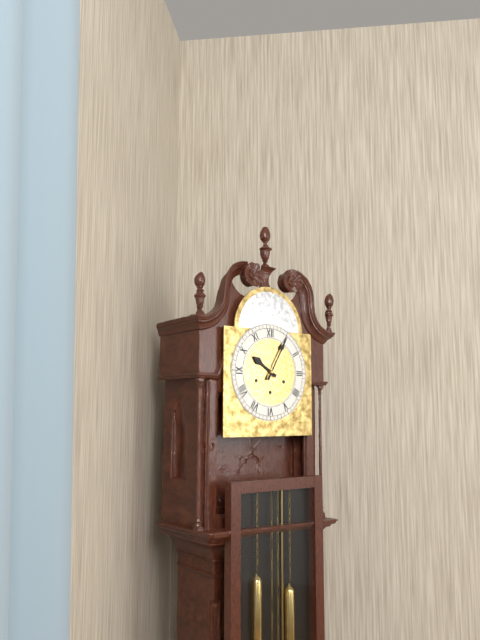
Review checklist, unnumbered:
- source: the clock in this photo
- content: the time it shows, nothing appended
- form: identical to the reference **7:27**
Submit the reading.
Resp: **10:05**
